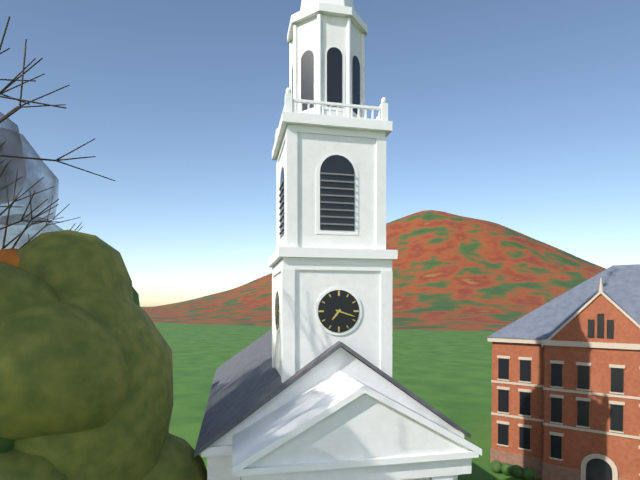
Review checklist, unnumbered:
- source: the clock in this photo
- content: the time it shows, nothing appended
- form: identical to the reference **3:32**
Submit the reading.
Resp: **7:18**
